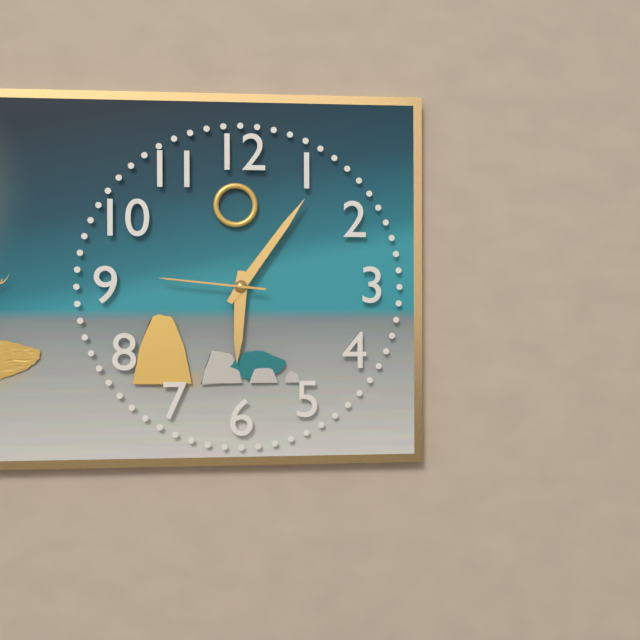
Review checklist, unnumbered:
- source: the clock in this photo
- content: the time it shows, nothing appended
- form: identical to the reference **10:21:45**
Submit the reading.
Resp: **6:06:46**
